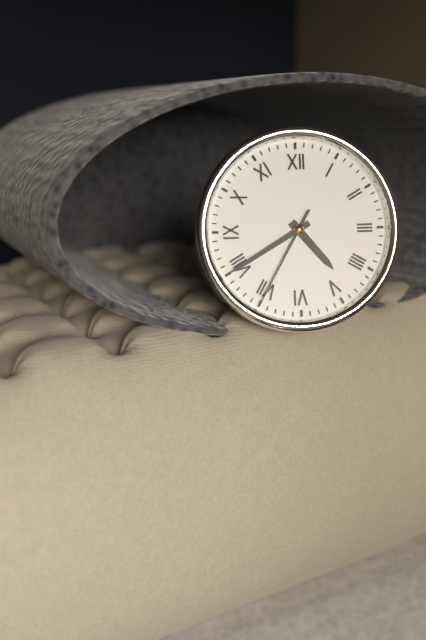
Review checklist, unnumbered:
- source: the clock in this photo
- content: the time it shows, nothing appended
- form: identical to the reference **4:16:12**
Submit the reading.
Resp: **4:40:35**
